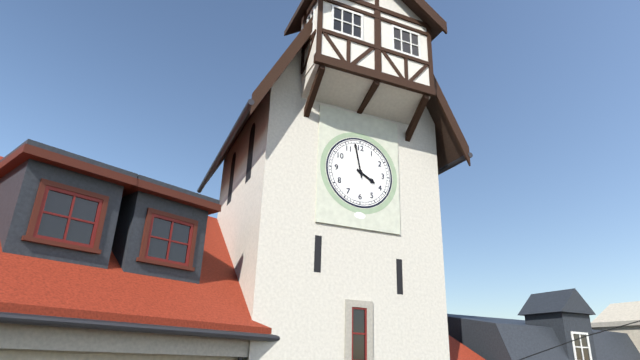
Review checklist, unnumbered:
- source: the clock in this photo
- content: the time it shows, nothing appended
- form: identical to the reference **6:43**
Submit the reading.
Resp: **3:58**
